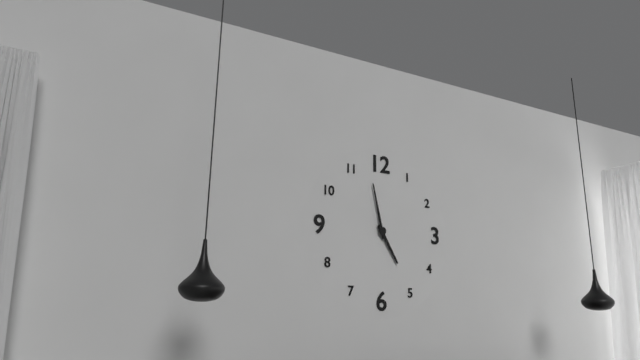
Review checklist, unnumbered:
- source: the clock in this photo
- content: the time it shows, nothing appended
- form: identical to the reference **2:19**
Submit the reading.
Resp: **4:58**
